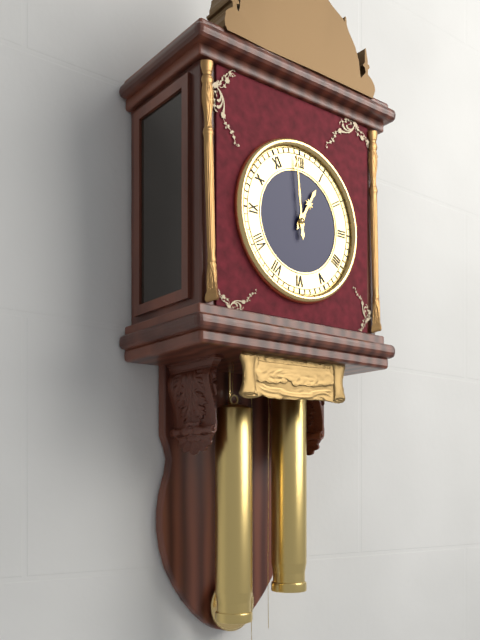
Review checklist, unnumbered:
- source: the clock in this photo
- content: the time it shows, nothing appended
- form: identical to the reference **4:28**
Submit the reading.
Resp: **12:59**
